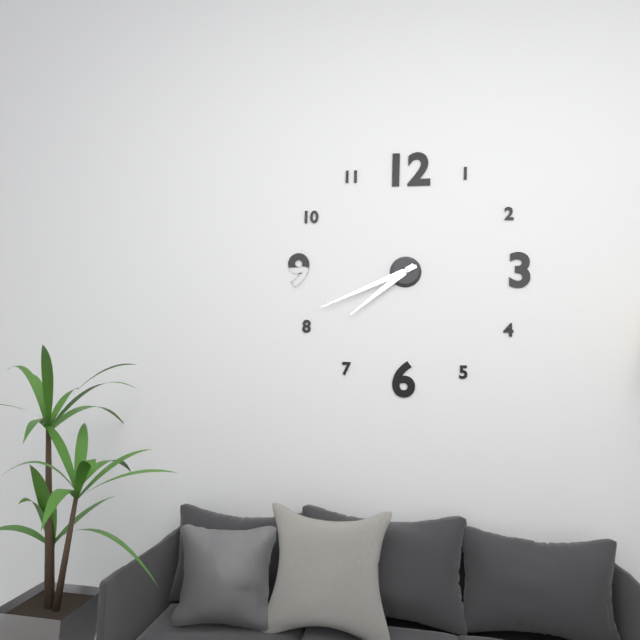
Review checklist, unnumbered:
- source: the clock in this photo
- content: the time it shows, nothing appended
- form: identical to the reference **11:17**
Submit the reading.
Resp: **7:41**
